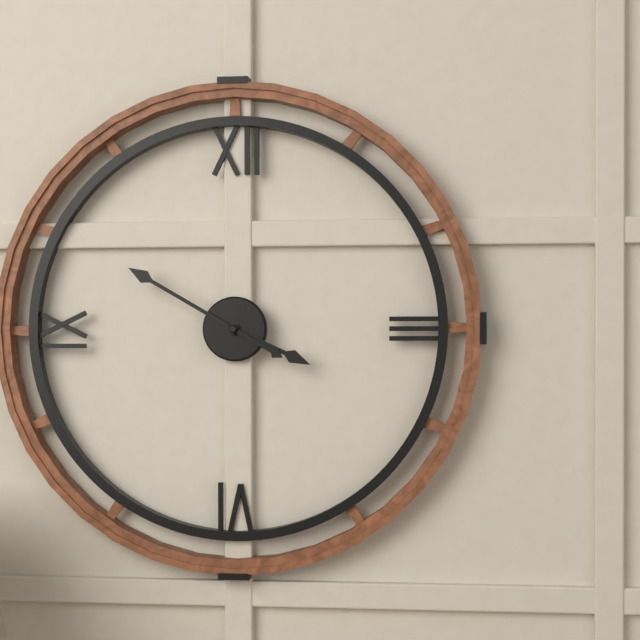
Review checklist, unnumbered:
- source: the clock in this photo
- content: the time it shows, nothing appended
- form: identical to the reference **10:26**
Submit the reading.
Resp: **3:50**
